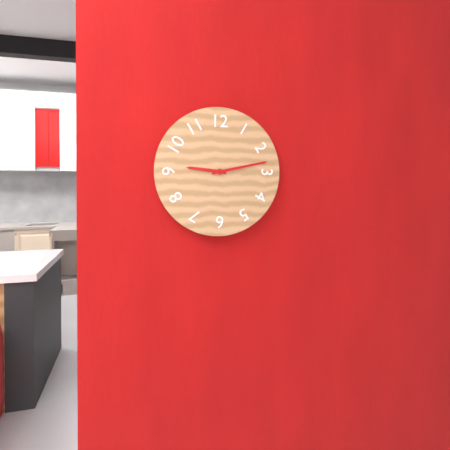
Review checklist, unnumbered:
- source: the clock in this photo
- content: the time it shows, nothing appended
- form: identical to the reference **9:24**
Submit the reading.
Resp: **9:13**
